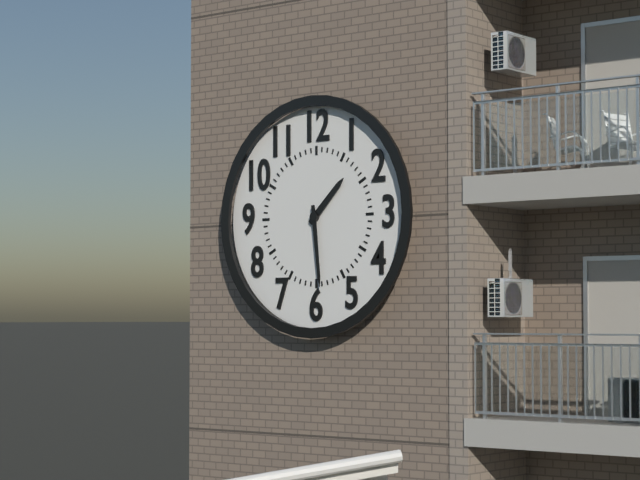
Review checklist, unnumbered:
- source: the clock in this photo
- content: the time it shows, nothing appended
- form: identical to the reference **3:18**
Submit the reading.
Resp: **1:29**
